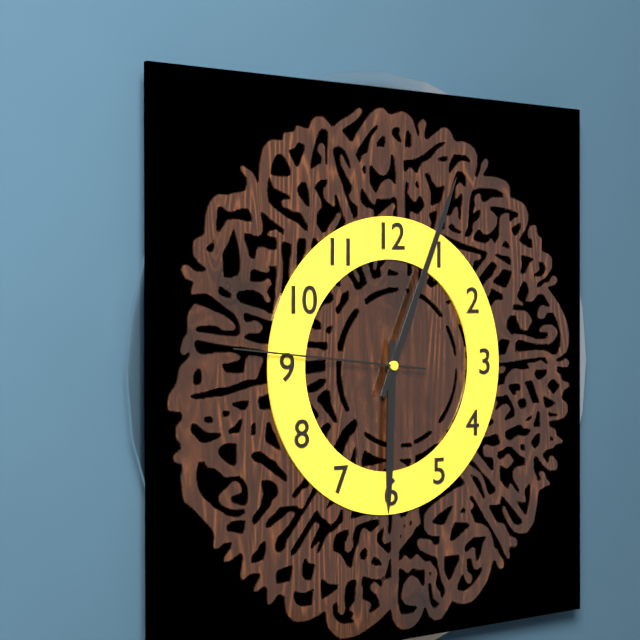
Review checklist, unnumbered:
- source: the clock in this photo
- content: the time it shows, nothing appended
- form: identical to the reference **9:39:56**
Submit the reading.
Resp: **6:04:46**
